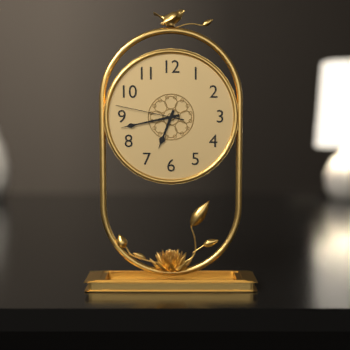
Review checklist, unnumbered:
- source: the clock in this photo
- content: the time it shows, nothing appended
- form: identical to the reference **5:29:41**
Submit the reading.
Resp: **6:43:47**
